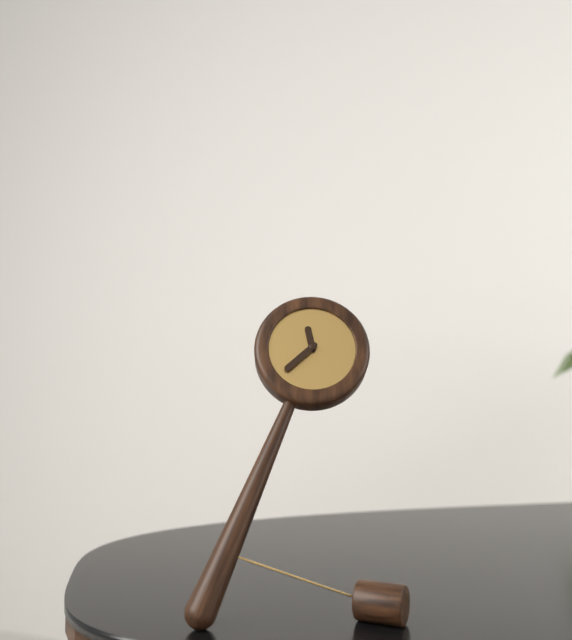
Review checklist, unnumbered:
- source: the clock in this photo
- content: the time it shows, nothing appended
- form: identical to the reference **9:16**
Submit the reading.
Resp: **11:38**
